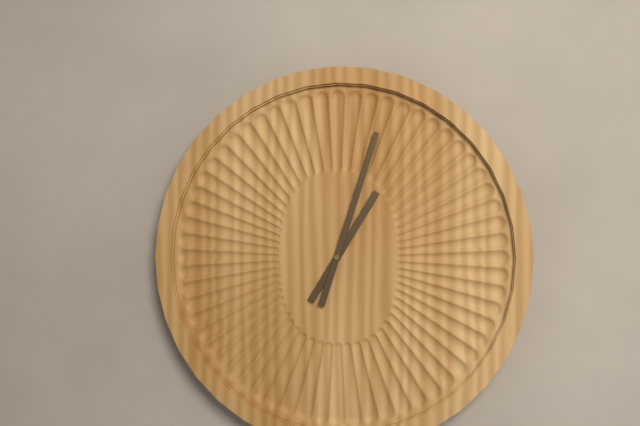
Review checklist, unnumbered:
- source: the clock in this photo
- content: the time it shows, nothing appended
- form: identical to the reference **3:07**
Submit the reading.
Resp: **1:03**
